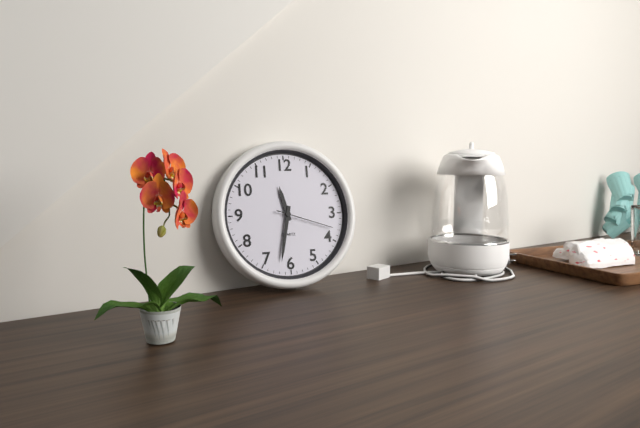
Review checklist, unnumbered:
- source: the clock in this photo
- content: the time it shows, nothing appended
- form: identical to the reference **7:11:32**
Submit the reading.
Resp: **11:32:18**
